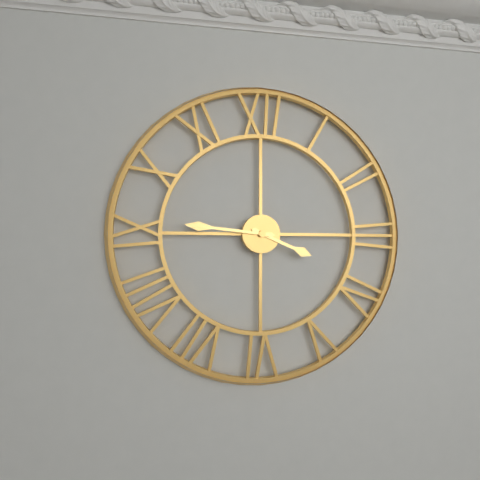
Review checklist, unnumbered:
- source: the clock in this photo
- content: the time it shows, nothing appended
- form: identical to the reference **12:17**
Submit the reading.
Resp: **3:46**
